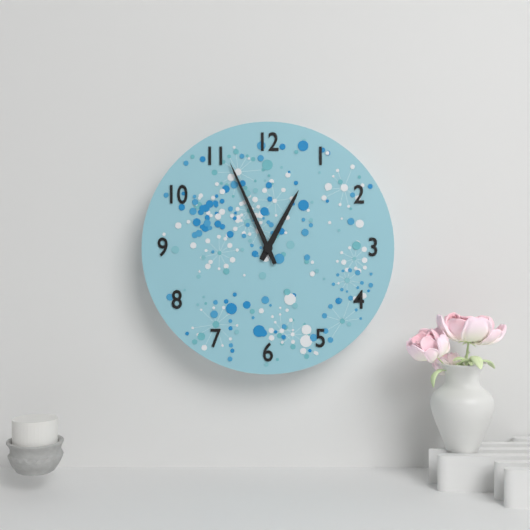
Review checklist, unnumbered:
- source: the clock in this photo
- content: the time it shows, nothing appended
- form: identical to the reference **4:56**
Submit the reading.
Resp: **12:56**
